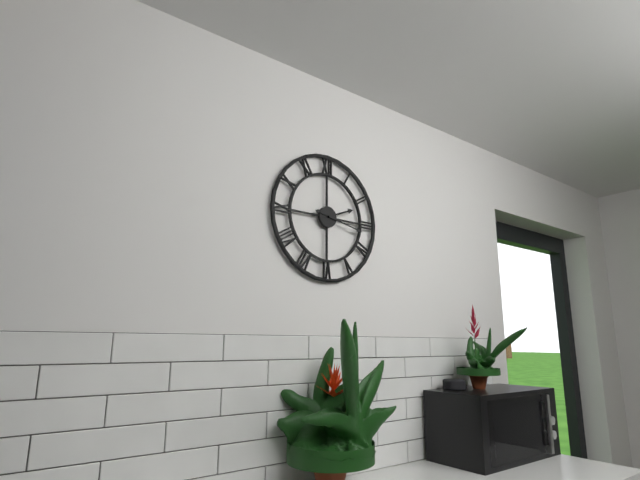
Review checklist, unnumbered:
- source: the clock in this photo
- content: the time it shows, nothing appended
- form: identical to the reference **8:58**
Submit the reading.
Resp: **2:17**
